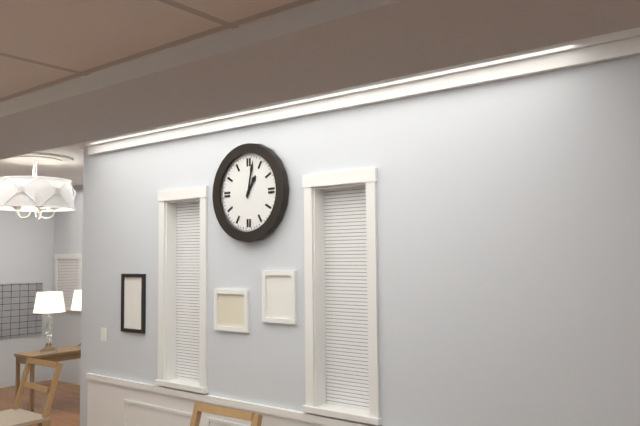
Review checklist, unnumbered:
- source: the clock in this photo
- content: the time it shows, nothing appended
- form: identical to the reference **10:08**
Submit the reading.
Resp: **1:02**
